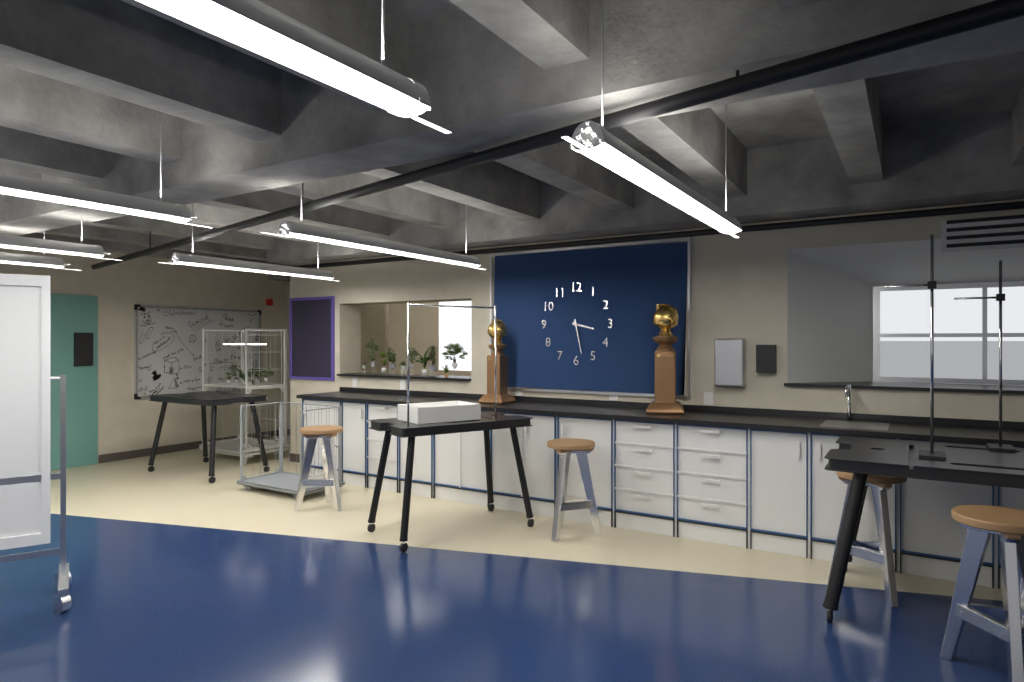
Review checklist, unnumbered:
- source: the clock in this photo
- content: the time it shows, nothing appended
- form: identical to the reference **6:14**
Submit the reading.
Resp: **3:28**
